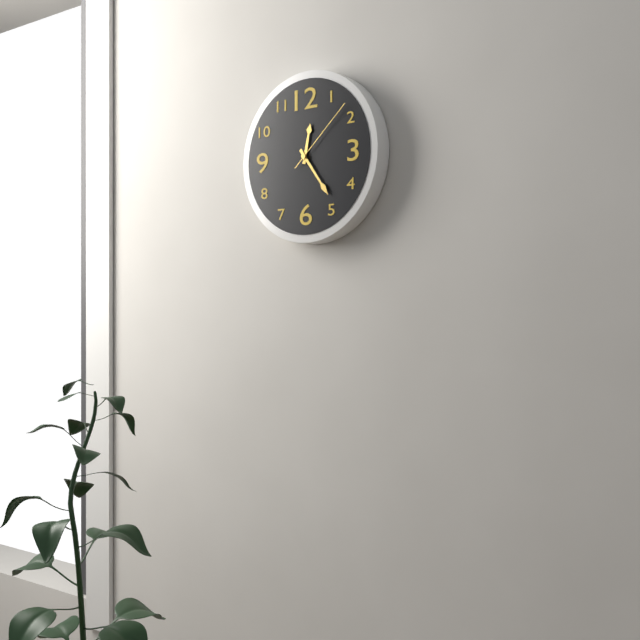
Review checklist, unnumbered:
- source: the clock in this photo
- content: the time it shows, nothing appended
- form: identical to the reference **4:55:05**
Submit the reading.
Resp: **12:24:08**
